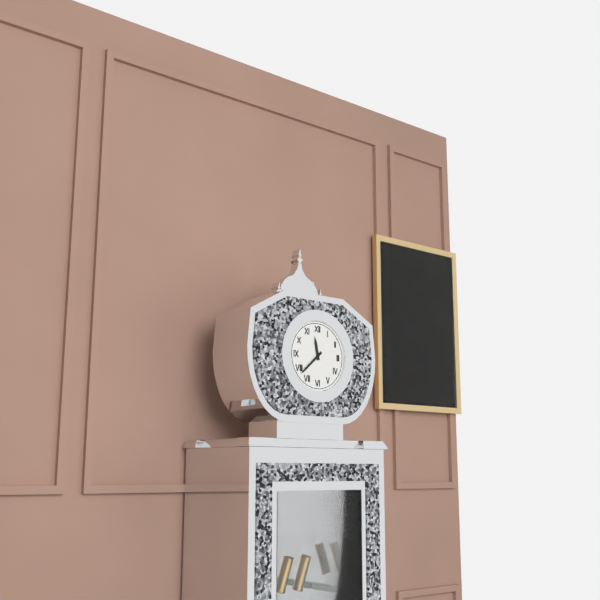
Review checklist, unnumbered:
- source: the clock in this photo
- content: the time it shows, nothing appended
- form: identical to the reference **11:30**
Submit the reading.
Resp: **11:38**
